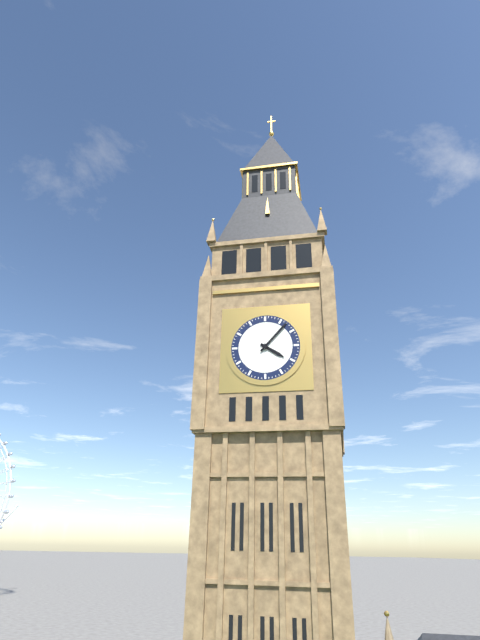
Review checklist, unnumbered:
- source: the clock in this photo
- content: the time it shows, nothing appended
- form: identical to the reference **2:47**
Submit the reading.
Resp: **4:07**
